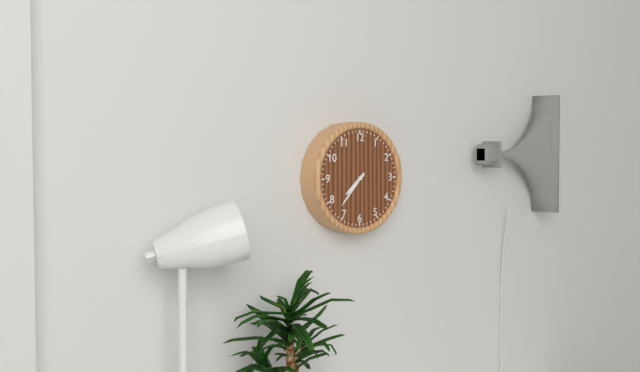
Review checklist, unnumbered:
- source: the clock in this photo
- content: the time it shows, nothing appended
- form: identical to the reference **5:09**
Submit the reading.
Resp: **7:37**
